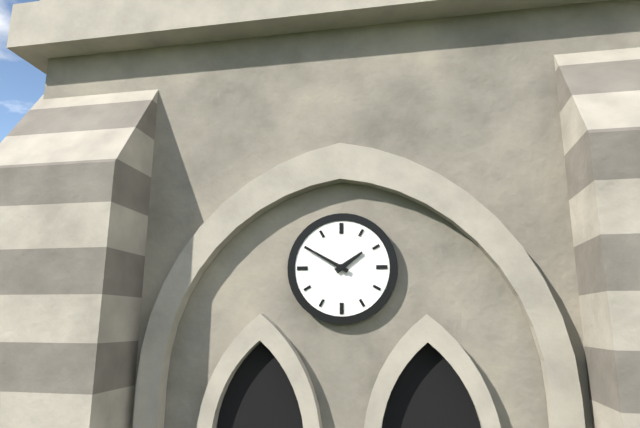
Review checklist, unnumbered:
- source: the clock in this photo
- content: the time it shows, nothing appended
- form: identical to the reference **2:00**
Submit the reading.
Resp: **1:50**
